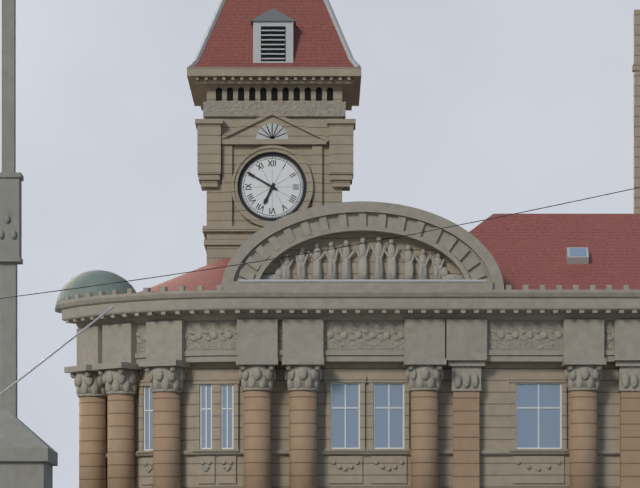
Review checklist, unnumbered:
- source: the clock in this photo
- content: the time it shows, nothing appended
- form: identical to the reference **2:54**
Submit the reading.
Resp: **6:50**
